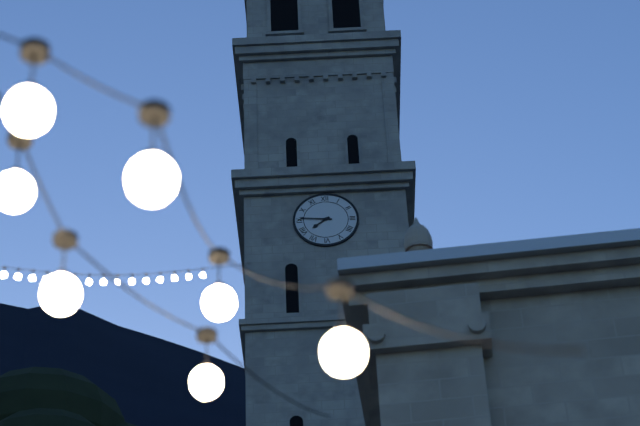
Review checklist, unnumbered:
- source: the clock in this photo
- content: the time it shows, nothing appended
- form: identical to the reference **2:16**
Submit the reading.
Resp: **7:46**
